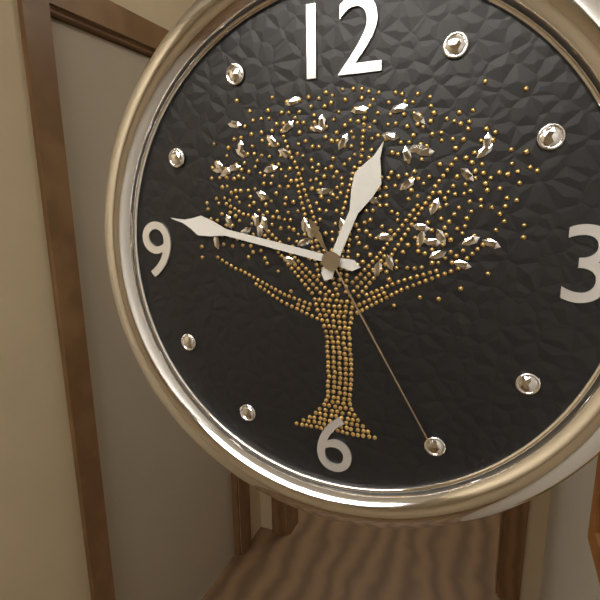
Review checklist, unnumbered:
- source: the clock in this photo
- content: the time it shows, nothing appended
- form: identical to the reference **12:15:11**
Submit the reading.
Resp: **12:47:25**
